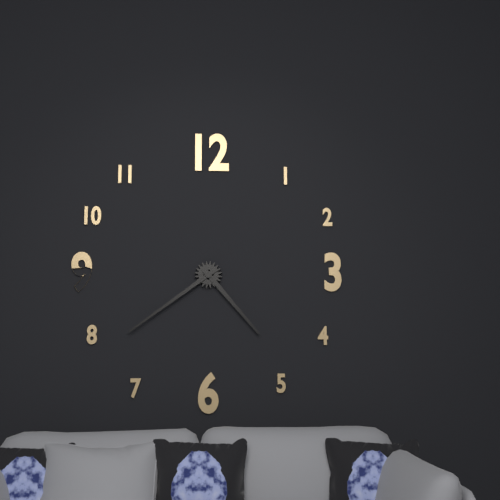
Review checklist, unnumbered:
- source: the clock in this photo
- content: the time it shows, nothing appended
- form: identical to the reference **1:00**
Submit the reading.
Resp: **4:39**
